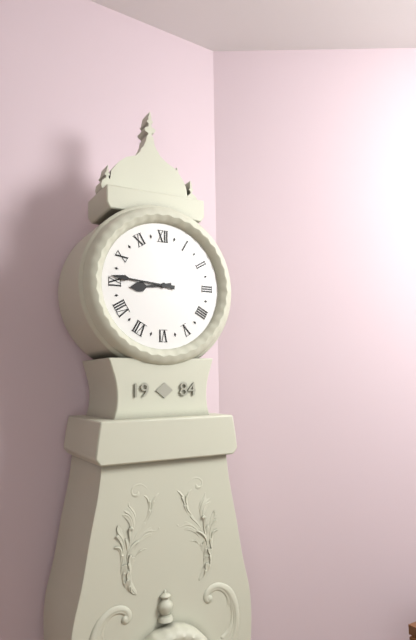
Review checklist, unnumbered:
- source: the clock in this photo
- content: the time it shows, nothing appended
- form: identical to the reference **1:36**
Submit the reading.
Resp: **8:46**
